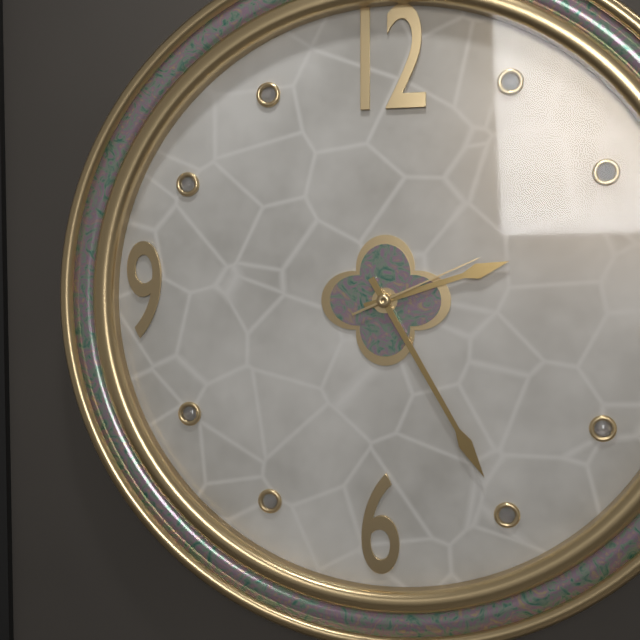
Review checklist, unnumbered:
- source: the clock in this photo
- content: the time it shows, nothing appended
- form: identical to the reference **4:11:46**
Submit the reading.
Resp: **2:25:11**
